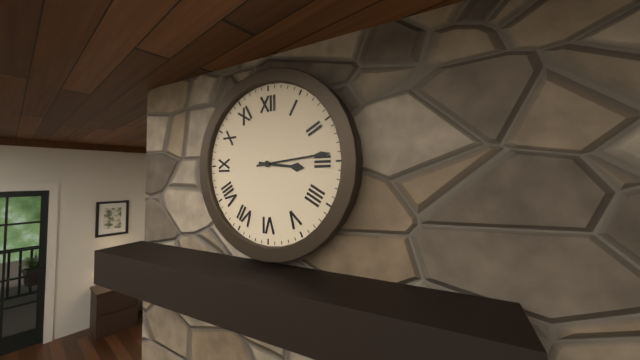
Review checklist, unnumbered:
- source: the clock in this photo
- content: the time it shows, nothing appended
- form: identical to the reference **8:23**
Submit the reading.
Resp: **3:14**
